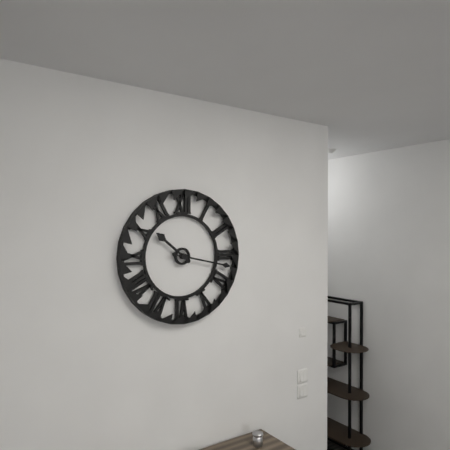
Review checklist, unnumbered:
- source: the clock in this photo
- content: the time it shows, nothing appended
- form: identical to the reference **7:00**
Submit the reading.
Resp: **10:17**
